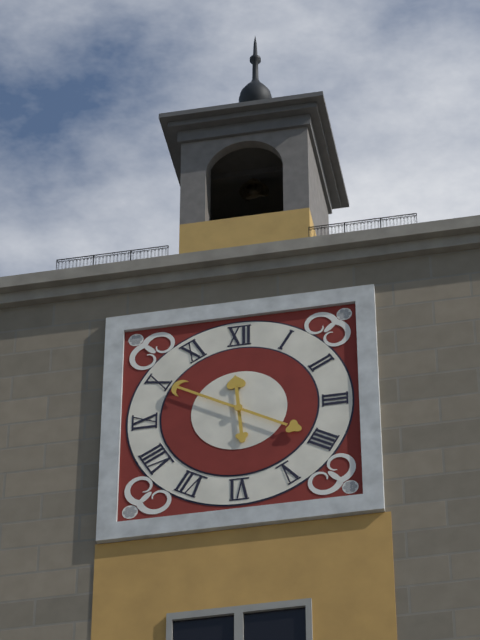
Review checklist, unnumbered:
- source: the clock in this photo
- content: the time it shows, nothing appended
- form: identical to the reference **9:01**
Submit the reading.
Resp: **11:50**
